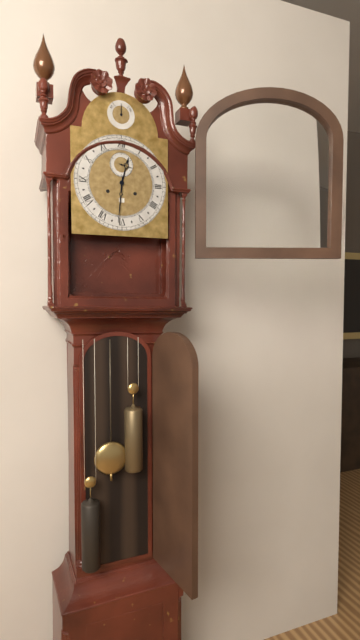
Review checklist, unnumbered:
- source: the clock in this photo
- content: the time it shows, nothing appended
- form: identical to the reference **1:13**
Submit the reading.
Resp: **12:31**
